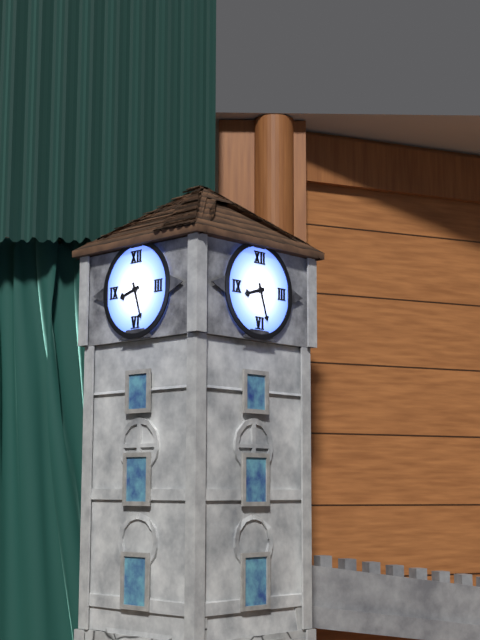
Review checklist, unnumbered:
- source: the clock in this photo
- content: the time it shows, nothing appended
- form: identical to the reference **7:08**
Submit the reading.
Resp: **8:27**
